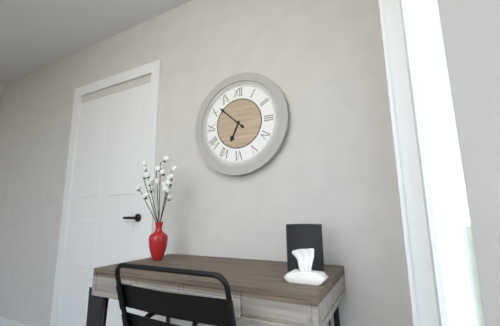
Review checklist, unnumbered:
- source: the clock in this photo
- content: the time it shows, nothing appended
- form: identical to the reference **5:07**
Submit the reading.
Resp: **6:52**
